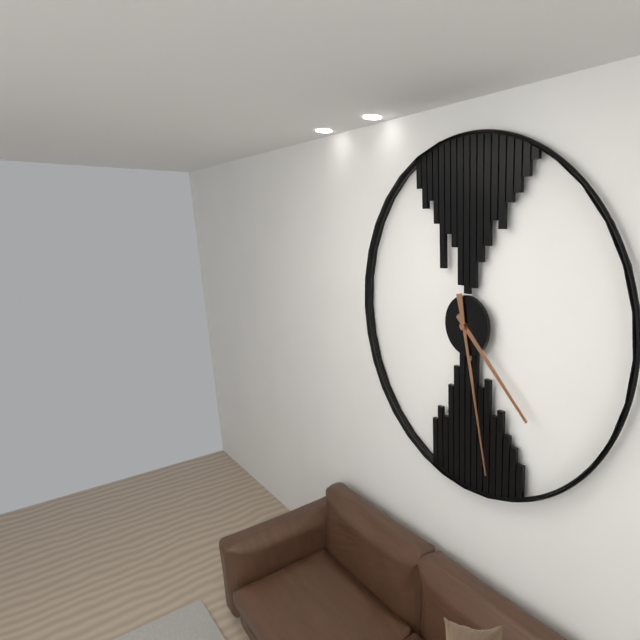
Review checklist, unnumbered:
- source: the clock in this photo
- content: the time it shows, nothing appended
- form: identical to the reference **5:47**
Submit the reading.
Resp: **4:28**
